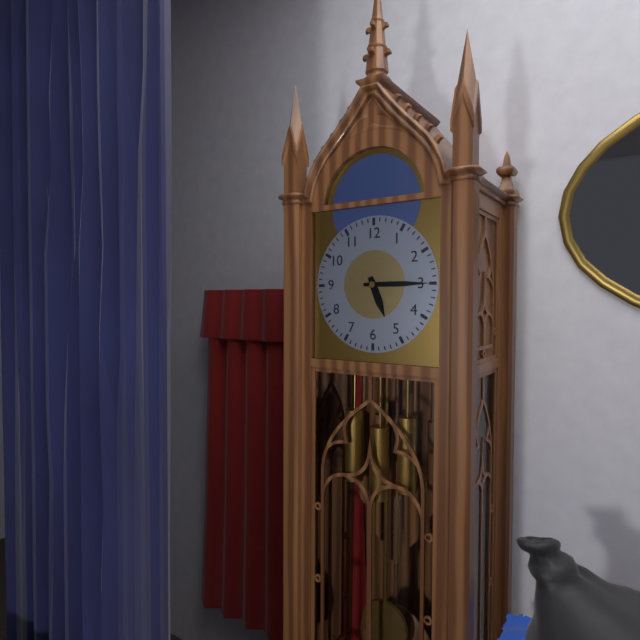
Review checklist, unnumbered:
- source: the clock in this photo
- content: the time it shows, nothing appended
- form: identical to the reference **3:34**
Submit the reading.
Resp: **5:15**
